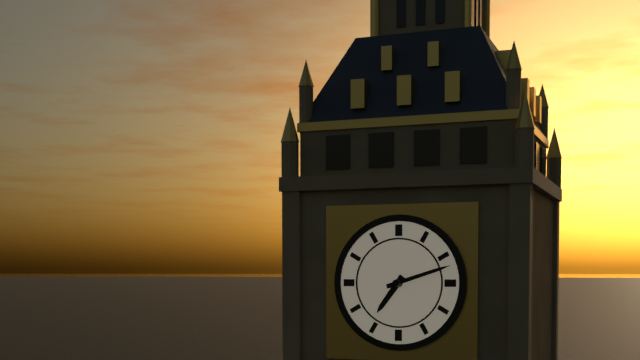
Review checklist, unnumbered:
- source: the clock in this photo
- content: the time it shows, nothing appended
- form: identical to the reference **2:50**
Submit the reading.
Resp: **7:12**
